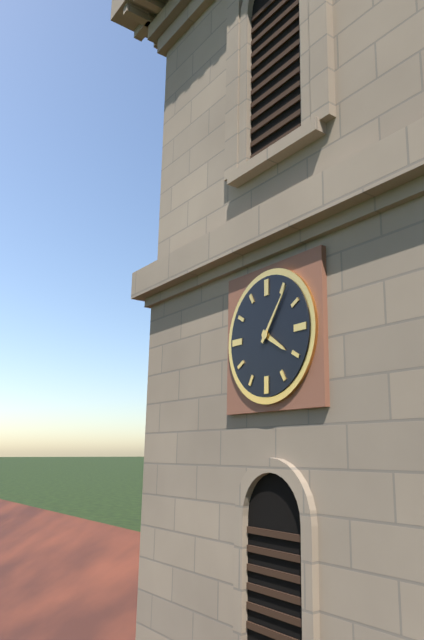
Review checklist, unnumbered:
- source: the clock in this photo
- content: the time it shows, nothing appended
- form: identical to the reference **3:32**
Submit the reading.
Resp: **4:06**
